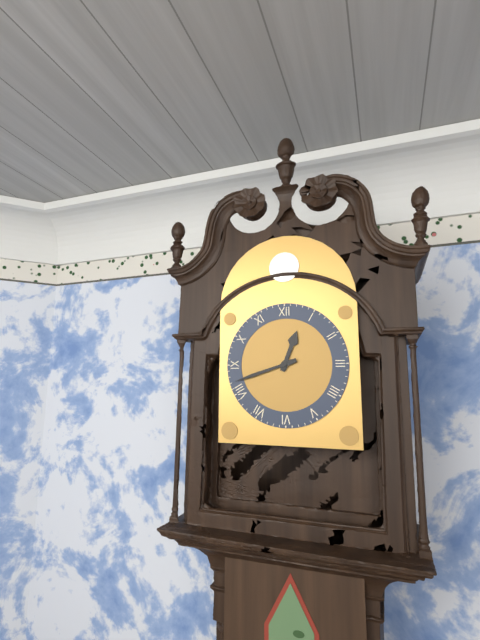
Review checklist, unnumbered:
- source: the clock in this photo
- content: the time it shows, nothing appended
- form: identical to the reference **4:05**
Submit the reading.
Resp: **12:42**
